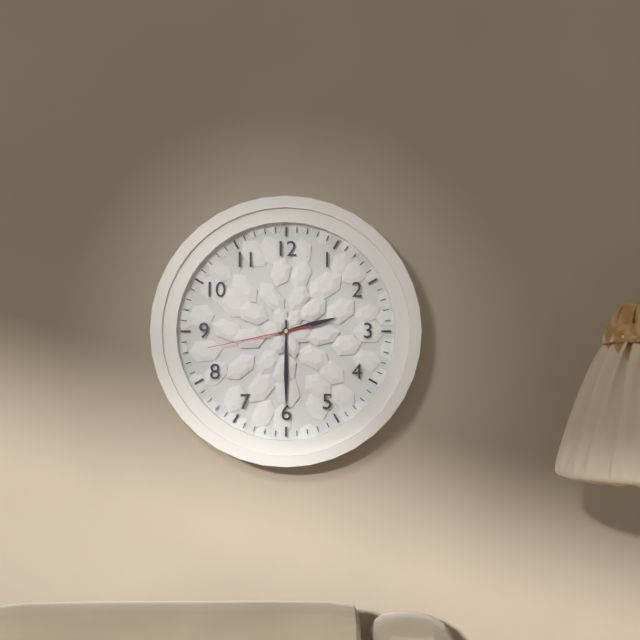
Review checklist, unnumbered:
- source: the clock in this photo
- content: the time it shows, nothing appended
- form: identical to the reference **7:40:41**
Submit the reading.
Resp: **2:30:43**
